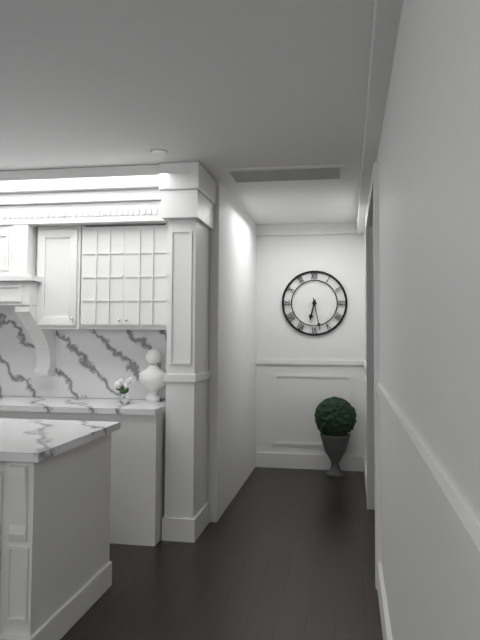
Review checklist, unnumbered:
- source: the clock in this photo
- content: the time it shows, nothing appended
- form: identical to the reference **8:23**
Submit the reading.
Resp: **6:28**
